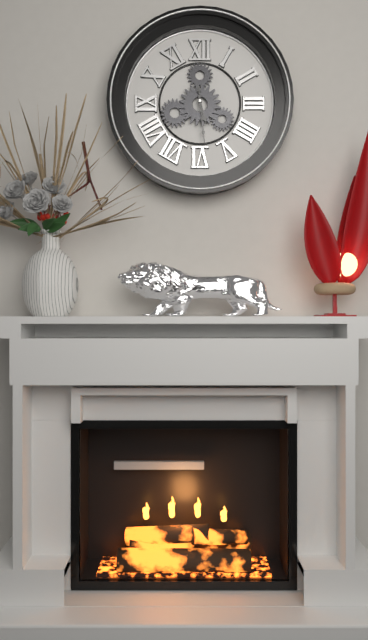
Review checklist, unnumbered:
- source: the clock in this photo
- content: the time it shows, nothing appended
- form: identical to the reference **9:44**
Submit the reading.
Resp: **5:29**
